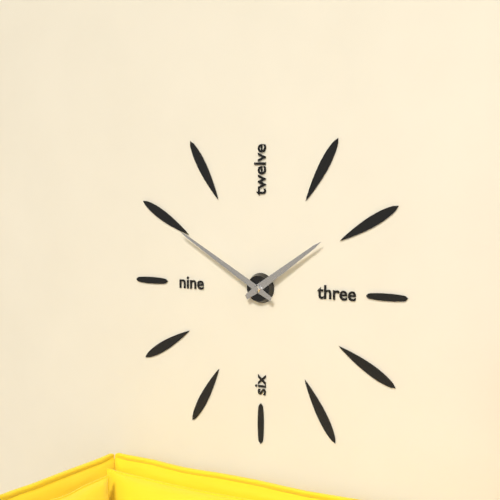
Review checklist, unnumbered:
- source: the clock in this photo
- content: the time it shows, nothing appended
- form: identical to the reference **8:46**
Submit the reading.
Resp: **1:50**
